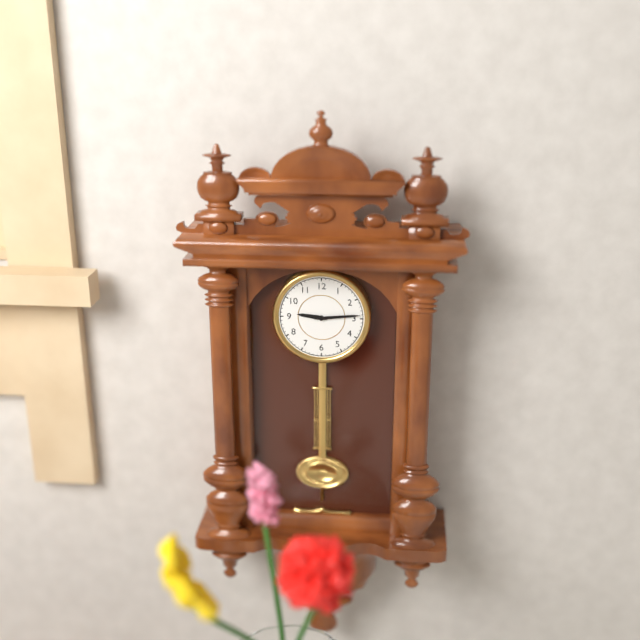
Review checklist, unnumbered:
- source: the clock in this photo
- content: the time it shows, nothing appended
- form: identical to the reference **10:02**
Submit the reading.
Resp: **9:14**
